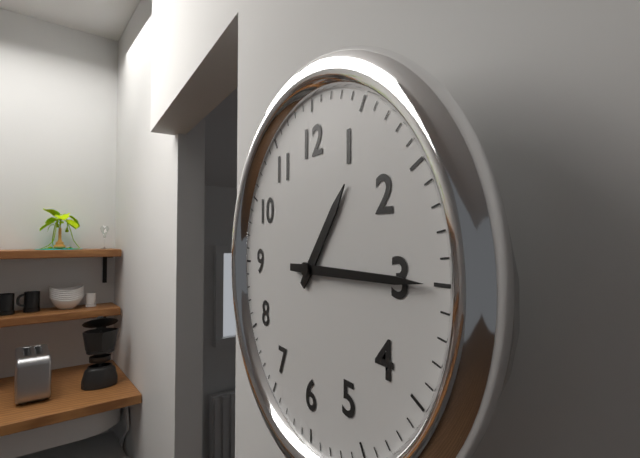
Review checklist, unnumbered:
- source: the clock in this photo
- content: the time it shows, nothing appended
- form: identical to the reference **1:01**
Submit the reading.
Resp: **1:15**
